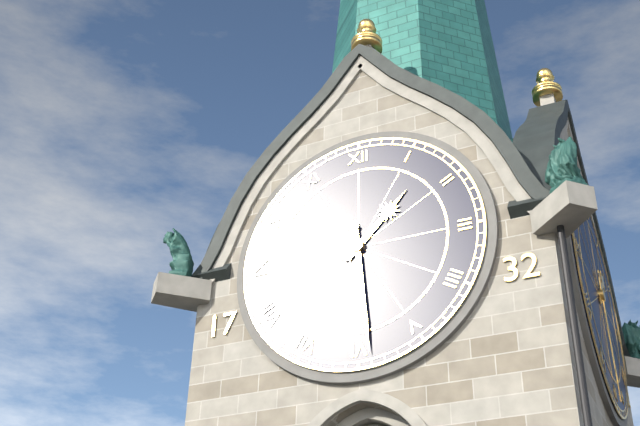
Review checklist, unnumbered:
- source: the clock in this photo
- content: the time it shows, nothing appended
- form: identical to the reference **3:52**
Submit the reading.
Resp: **1:29**
